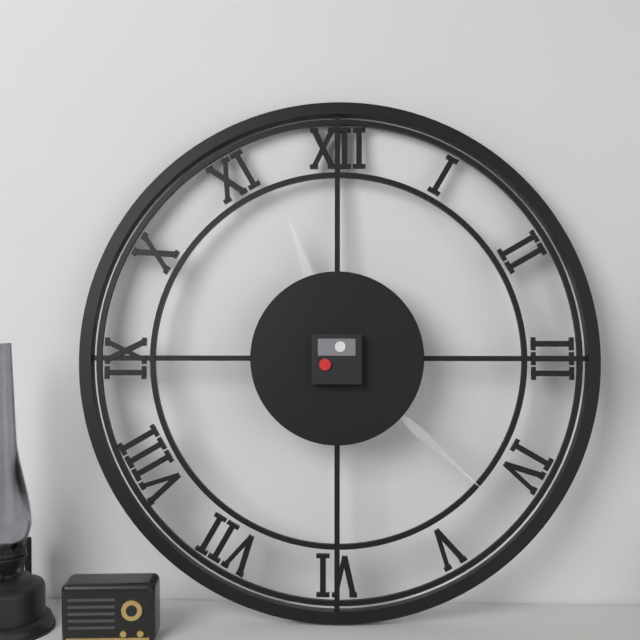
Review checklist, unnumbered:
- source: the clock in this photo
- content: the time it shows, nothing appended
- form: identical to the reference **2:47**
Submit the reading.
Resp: **11:22**
